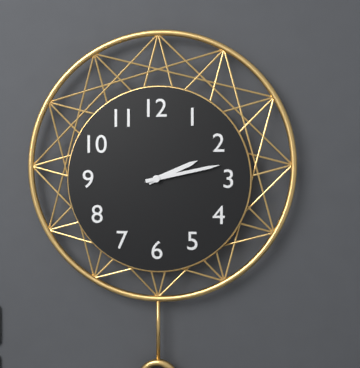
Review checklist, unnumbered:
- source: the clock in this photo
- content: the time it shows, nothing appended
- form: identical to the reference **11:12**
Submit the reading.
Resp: **2:13**
